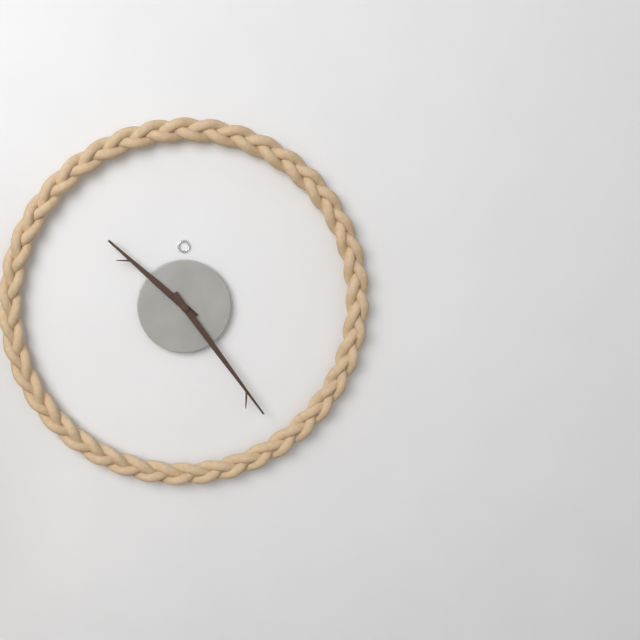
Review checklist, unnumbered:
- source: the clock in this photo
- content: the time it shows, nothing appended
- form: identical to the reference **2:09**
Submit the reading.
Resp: **10:24**
